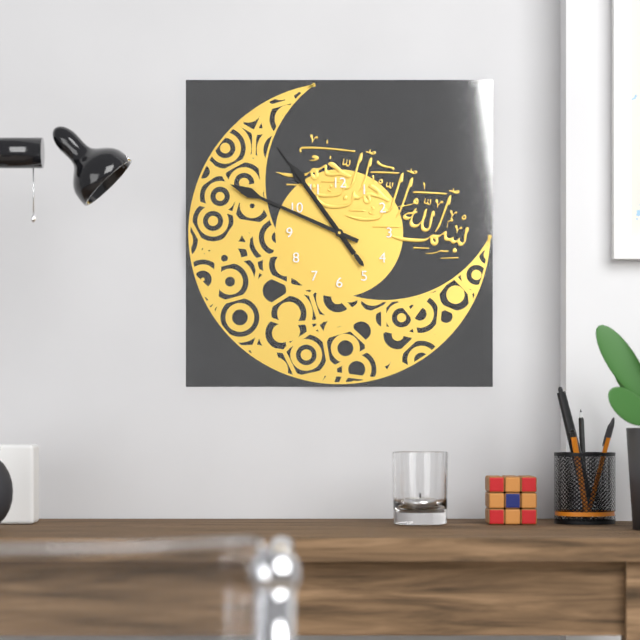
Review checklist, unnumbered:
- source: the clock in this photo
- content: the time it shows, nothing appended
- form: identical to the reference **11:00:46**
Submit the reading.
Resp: **10:49:54**
